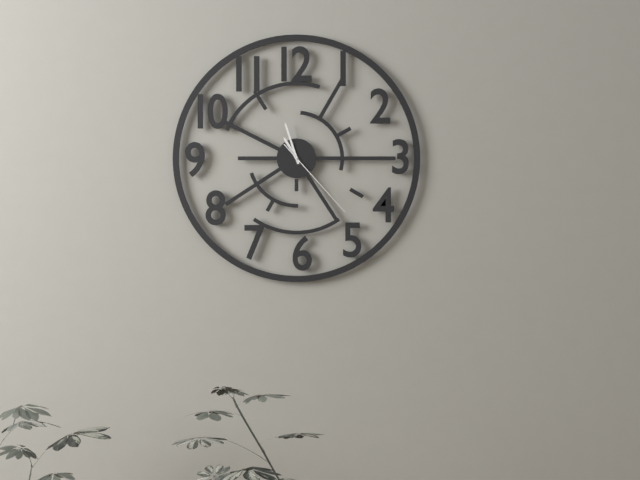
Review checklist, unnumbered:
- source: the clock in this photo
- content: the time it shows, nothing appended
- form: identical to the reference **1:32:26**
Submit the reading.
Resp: **10:57:23**
